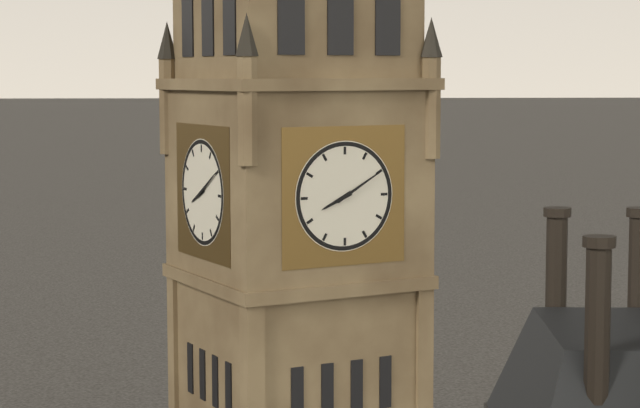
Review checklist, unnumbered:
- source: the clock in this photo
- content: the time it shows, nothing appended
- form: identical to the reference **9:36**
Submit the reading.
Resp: **8:10**
